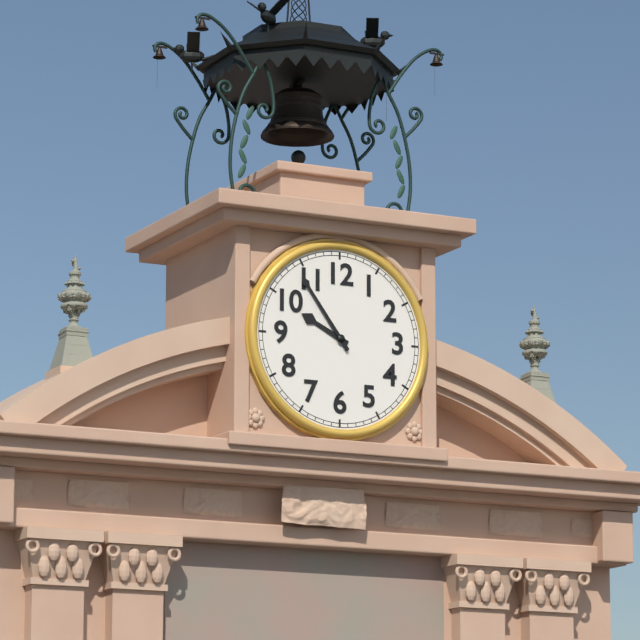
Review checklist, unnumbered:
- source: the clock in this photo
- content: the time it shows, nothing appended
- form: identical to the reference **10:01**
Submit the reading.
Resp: **9:54**
